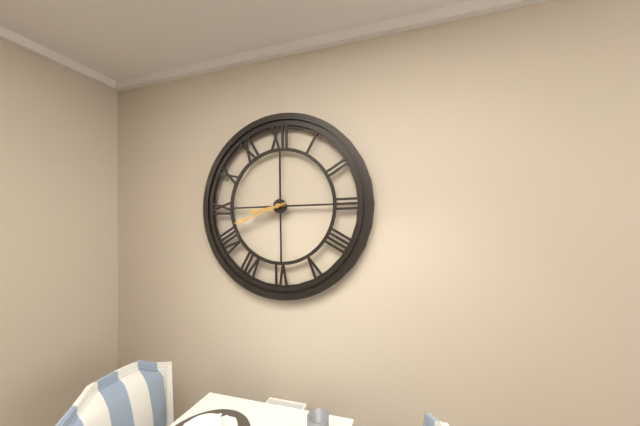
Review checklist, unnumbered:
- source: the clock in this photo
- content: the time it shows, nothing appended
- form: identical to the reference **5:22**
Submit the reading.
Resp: **8:42**
